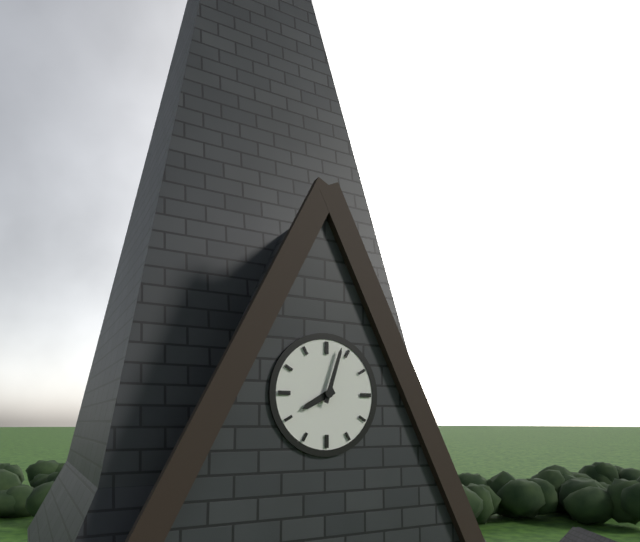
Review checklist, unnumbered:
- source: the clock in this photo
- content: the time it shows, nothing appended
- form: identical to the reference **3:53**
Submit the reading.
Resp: **8:03**
